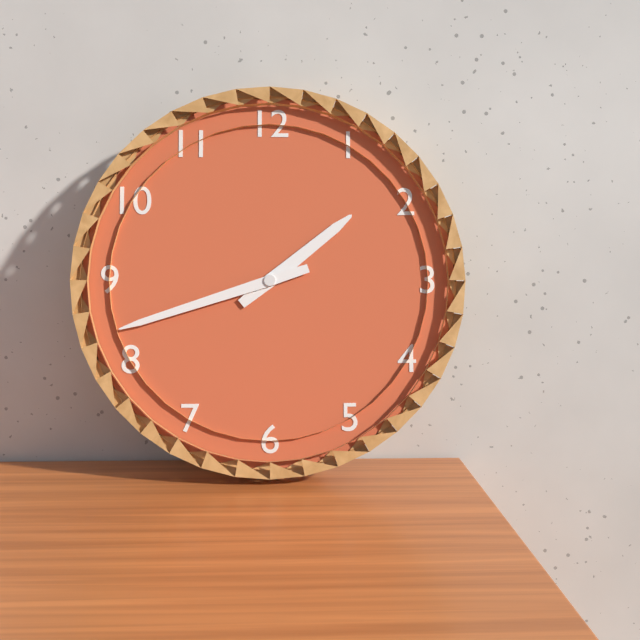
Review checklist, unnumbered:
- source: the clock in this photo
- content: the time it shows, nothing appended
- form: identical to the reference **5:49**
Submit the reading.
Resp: **1:42**
